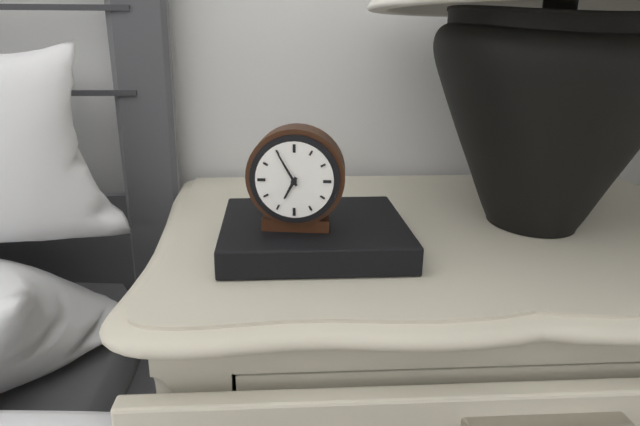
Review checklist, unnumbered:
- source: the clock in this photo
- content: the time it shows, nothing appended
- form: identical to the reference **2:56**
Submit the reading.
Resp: **6:55**
